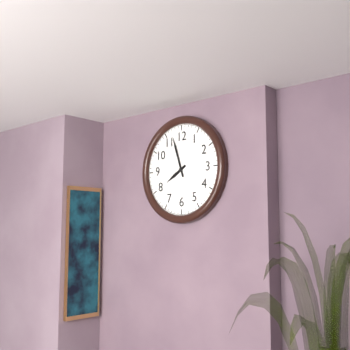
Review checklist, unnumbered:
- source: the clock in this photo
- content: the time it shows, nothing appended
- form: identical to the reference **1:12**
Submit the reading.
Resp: **7:57**
